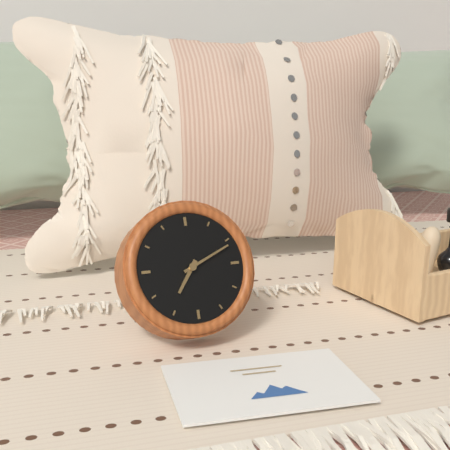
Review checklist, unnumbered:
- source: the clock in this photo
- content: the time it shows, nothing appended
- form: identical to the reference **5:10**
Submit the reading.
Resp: **7:11**
